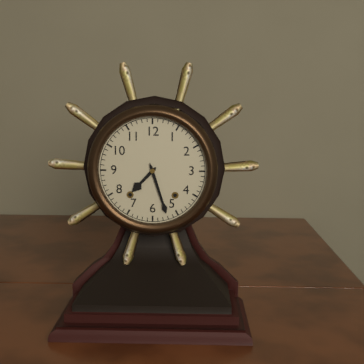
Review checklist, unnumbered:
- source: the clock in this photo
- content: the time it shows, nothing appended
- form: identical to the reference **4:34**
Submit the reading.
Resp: **7:27**
